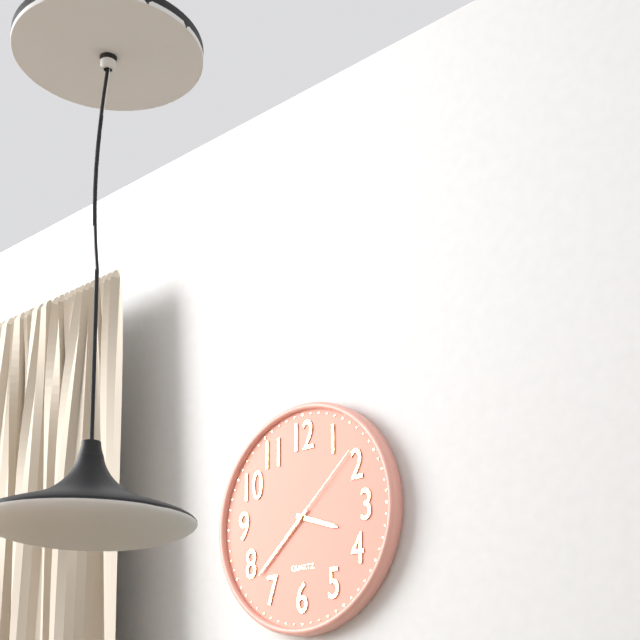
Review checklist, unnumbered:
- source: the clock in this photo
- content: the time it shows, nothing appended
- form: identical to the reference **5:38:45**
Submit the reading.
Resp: **3:38:08**
